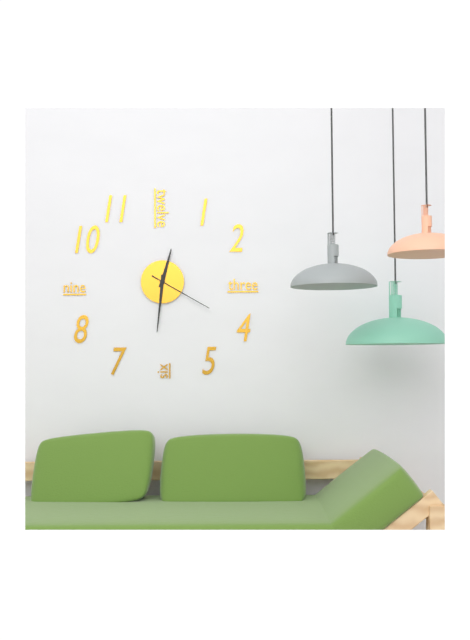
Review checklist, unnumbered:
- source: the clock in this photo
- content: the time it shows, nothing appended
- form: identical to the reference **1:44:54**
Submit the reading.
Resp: **12:31:20**
